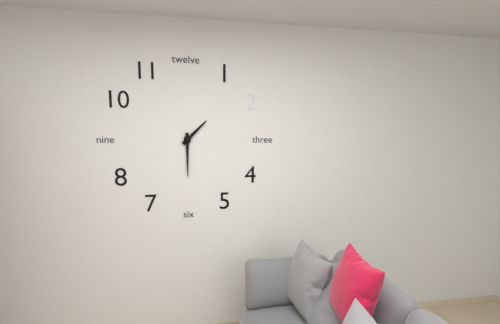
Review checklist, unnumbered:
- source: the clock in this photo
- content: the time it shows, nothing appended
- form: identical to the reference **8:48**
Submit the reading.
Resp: **1:30**
